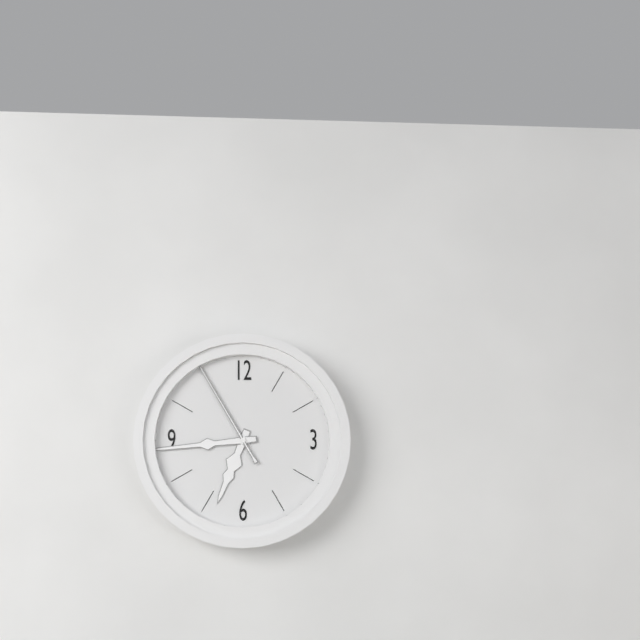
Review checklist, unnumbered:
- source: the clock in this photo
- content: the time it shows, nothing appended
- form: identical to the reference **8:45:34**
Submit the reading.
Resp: **6:44:55**
